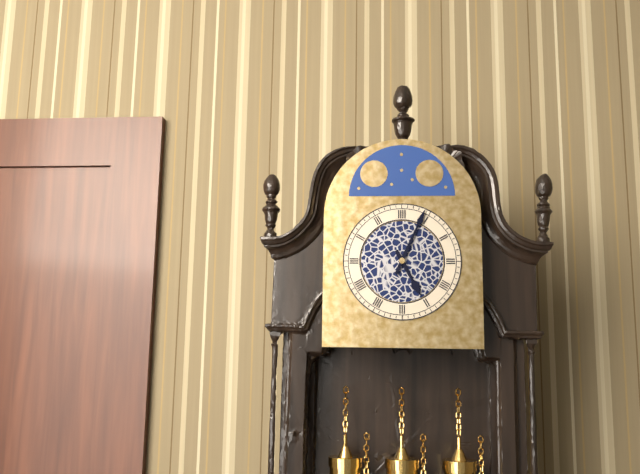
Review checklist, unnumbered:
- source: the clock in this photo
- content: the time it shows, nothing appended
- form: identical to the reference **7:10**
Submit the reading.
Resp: **5:04**
